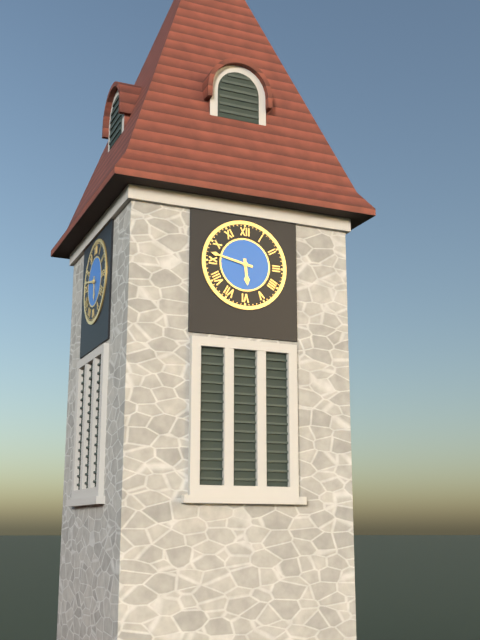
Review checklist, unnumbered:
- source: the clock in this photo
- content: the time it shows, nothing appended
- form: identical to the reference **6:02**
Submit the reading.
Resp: **5:47**
